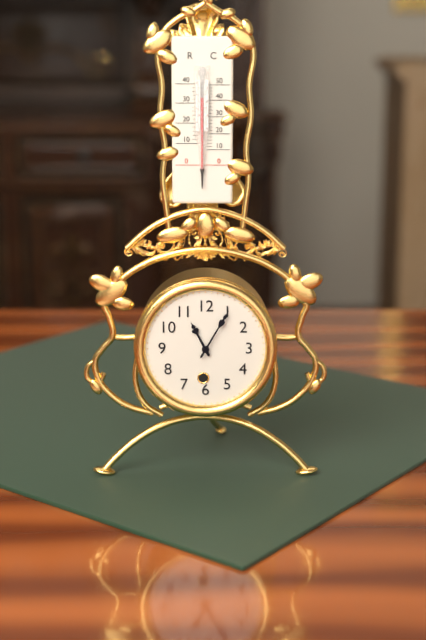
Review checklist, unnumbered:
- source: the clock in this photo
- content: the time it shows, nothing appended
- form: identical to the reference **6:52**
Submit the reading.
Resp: **11:05**
